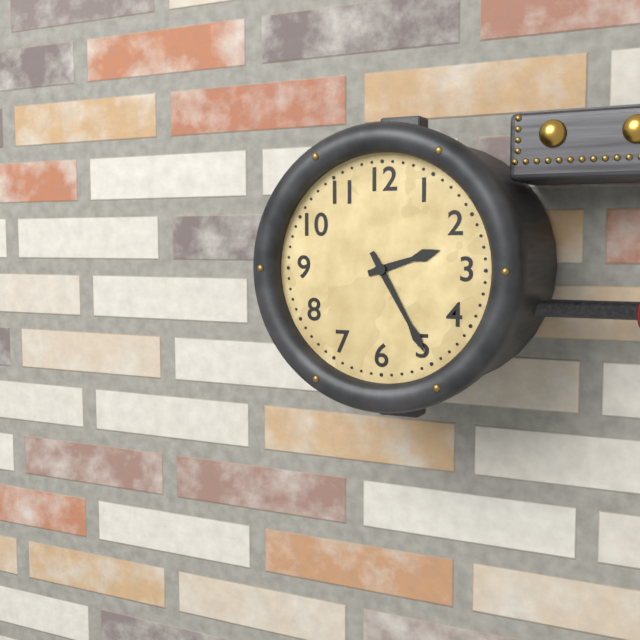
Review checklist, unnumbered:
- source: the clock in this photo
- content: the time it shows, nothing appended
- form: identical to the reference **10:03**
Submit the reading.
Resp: **2:25**
